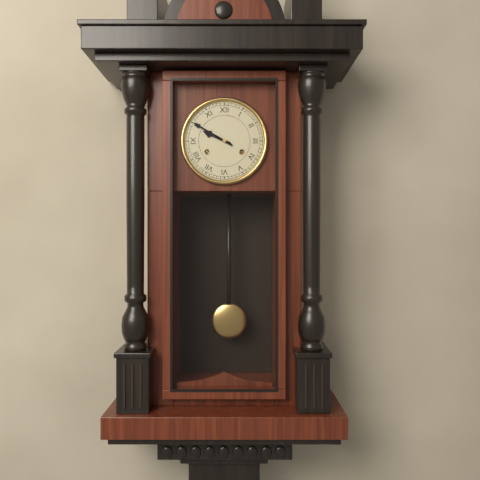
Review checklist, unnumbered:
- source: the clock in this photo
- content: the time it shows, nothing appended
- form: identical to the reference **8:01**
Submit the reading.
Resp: **9:50**
